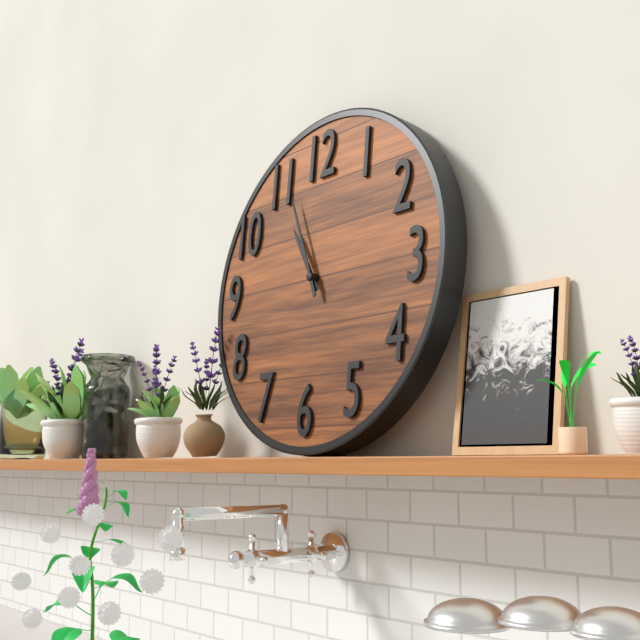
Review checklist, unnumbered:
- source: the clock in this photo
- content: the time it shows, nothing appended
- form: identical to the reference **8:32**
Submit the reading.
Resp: **10:56**
